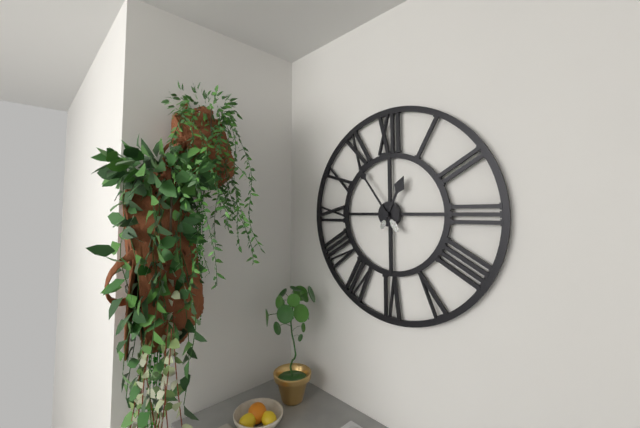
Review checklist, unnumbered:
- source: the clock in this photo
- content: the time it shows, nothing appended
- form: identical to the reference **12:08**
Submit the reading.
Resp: **12:54**
